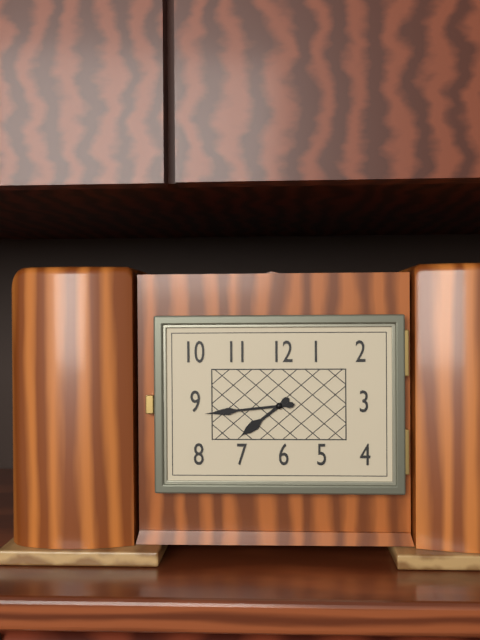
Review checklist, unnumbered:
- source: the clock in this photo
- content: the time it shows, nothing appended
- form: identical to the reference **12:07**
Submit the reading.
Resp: **7:44**
